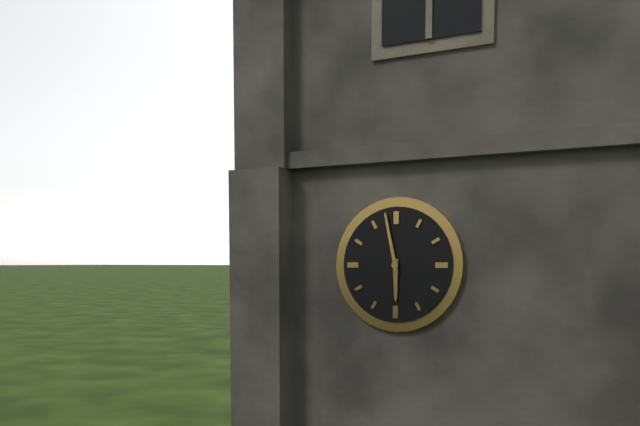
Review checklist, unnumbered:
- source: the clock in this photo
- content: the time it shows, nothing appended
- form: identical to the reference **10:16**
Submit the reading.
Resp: **5:58**
